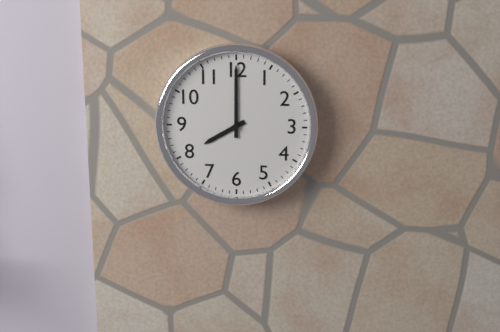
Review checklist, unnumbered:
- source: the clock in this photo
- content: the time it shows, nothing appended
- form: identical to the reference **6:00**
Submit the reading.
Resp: **8:00**
